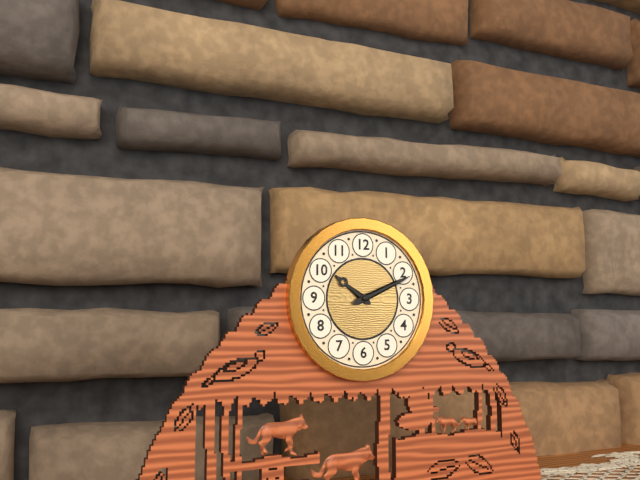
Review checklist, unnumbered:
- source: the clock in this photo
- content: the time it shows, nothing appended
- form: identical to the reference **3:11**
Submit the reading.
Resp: **10:11**
